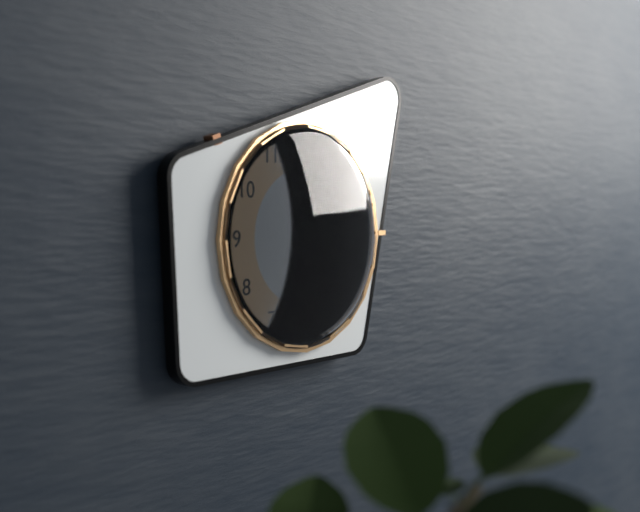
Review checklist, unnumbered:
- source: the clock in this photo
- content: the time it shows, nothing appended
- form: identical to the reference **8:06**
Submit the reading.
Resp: **2:26**
